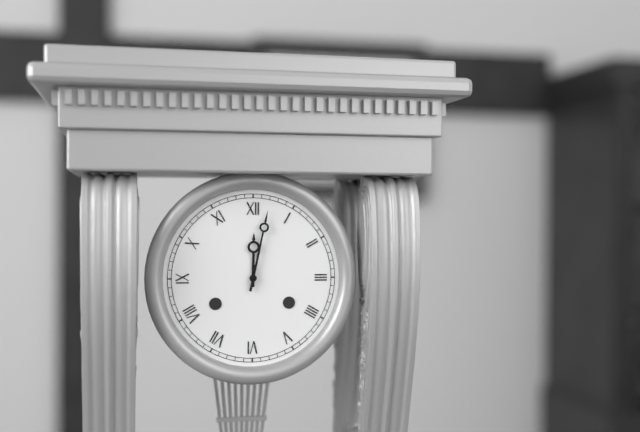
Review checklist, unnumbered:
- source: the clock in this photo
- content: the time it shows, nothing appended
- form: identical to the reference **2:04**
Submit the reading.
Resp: **12:02**
